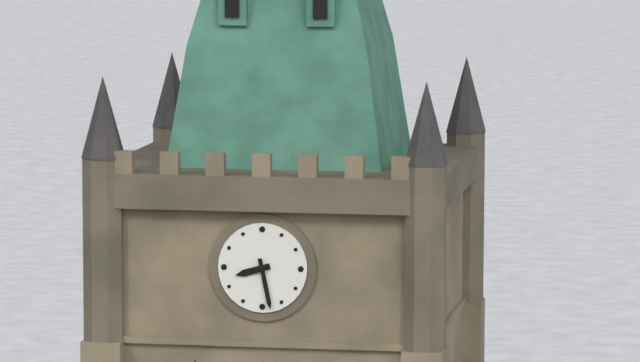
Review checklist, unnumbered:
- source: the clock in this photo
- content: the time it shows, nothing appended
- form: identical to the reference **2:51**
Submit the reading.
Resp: **8:28**
